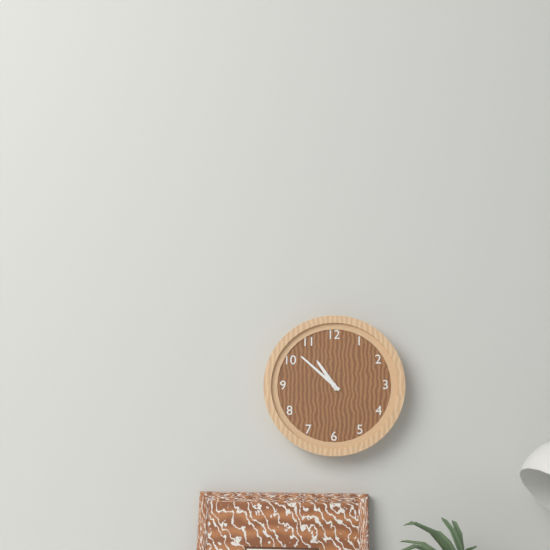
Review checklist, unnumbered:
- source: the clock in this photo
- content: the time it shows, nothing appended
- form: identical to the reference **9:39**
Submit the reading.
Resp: **10:52**
